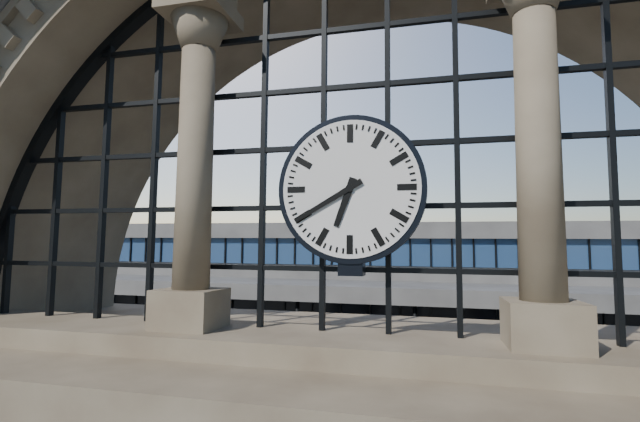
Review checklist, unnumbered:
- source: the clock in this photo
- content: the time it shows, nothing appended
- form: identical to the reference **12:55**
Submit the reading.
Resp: **6:40**
